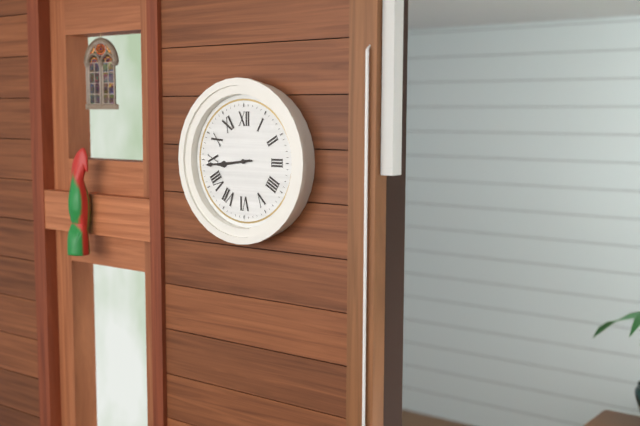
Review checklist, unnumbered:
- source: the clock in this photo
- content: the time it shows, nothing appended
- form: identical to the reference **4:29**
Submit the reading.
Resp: **8:44**
